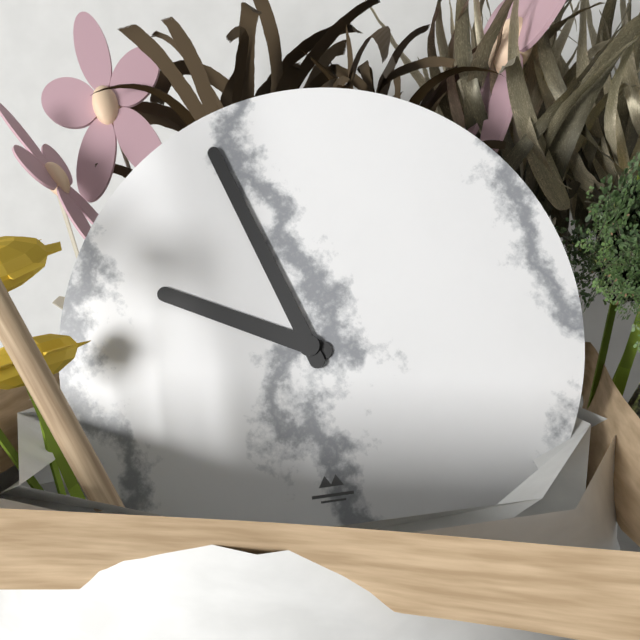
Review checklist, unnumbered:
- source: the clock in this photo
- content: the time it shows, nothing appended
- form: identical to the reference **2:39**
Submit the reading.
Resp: **9:57**
